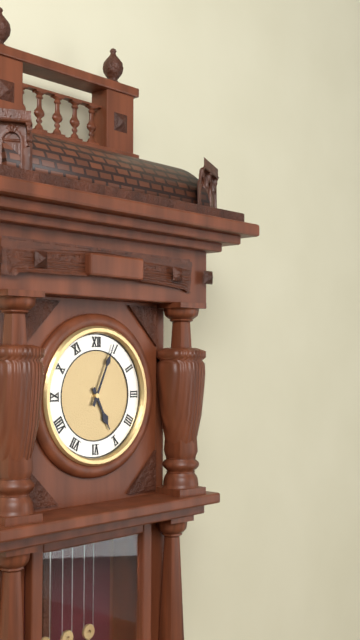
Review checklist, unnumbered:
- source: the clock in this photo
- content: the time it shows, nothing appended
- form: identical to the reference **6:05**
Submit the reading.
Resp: **5:04**
